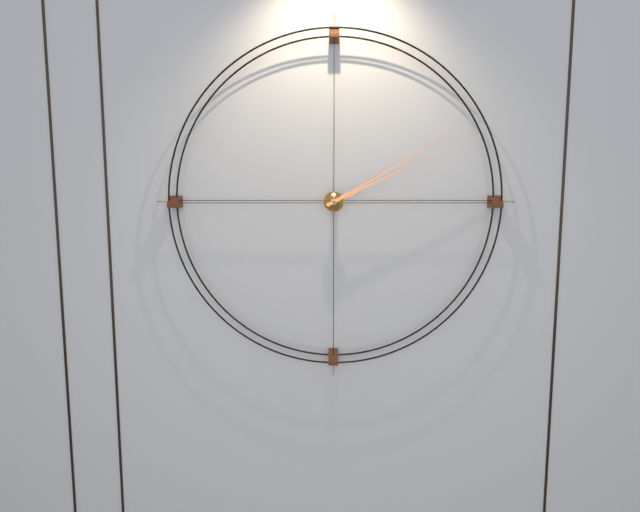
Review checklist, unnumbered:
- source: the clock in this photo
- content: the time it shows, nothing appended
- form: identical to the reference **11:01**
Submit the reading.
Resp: **2:10**
